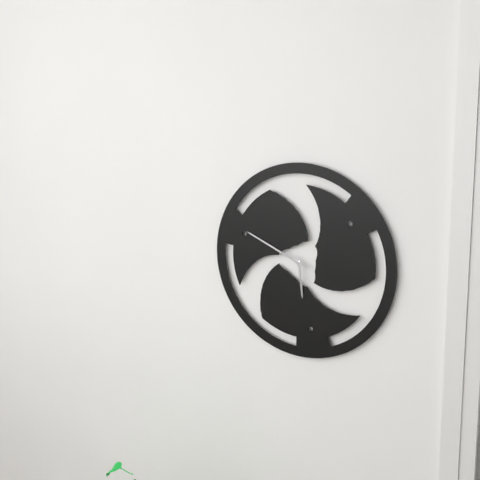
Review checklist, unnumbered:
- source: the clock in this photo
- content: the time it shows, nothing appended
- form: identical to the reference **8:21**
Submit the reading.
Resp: **5:49**
